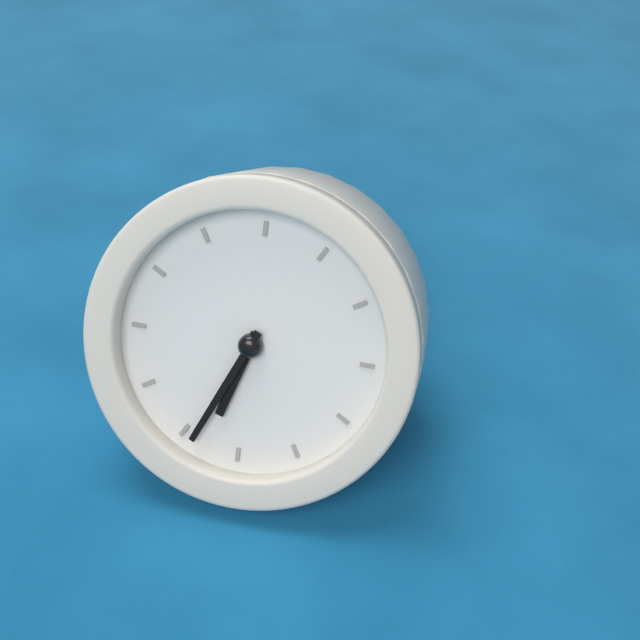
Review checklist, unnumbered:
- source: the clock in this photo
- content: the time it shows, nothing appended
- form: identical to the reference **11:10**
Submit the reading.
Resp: **6:34**
